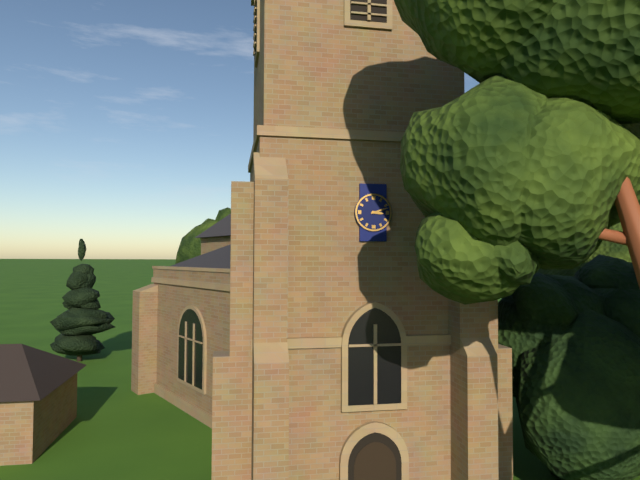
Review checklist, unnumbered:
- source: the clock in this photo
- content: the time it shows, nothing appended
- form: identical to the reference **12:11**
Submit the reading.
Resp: **3:12**
